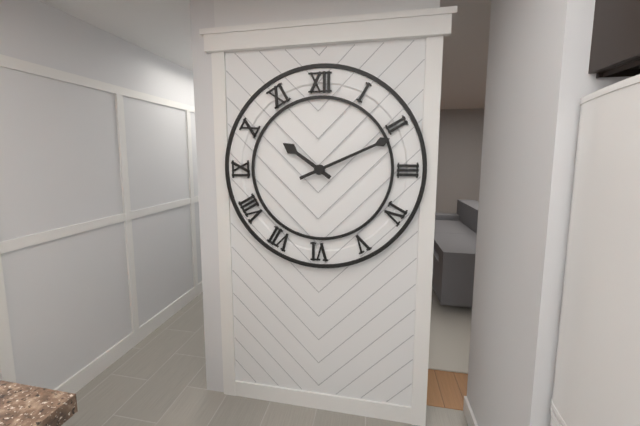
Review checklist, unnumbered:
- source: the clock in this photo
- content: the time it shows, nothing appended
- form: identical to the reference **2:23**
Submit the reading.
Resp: **10:11**
